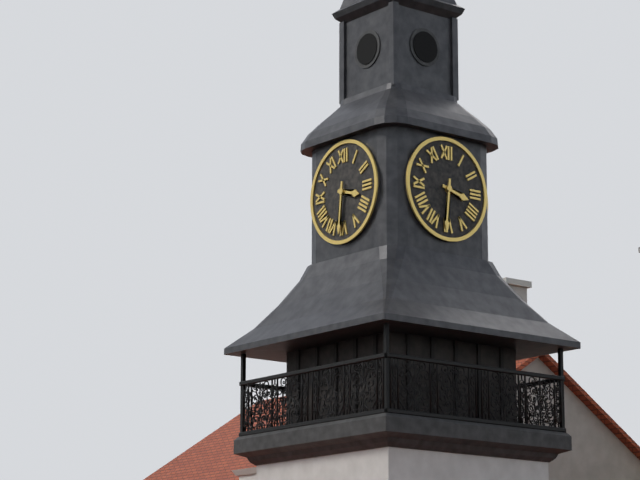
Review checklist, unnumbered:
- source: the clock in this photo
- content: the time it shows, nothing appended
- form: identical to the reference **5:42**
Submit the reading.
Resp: **3:31**
